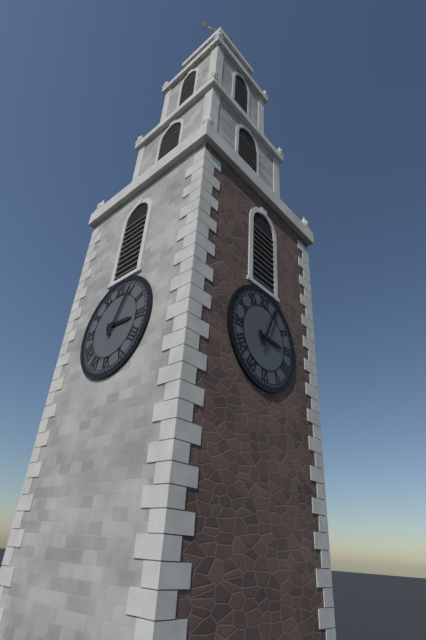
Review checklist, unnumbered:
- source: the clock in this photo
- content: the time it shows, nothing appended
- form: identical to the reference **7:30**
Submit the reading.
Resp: **3:04**
